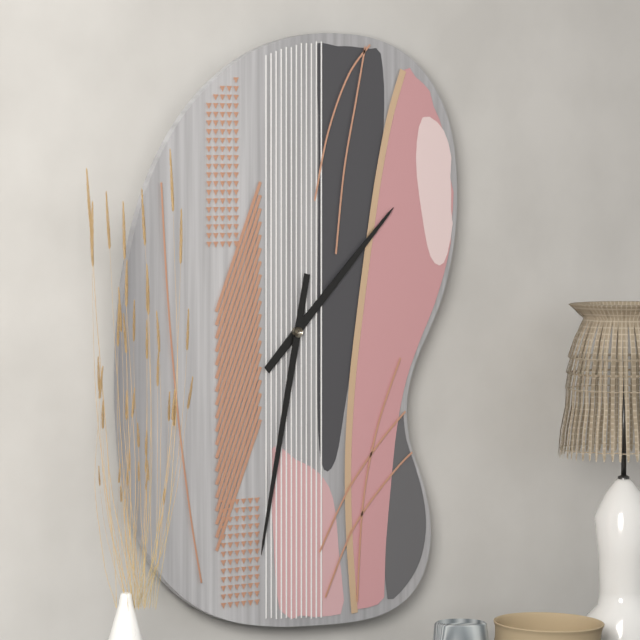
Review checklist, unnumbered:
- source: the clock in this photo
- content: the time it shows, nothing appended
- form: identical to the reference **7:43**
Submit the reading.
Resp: **1:32**
